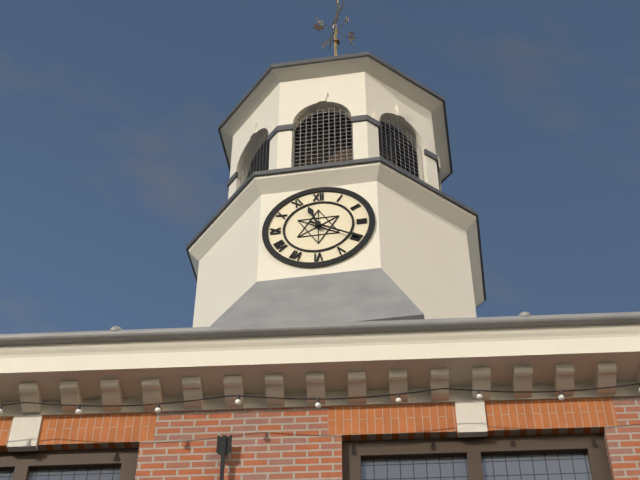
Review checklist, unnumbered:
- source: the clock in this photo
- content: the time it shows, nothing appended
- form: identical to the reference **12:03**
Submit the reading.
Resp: **11:20**
